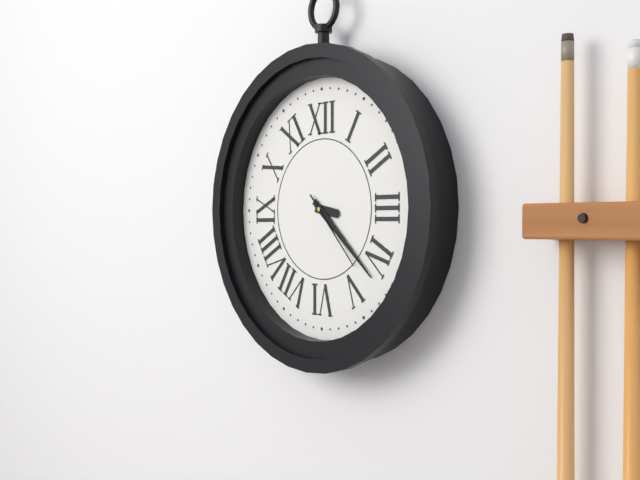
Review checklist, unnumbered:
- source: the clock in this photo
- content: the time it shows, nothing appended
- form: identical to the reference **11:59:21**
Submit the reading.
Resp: **3:22:23**
